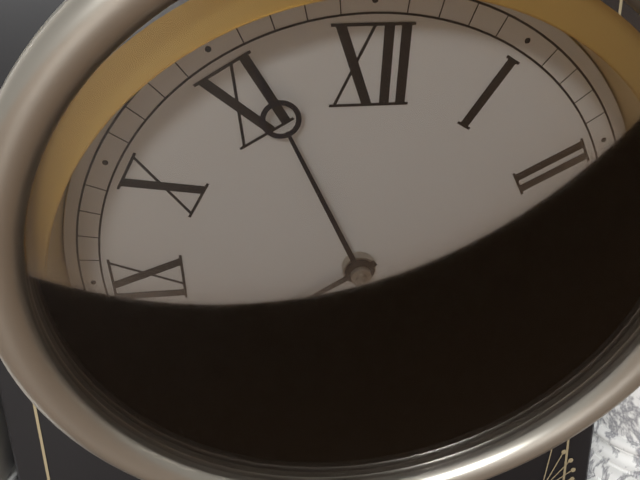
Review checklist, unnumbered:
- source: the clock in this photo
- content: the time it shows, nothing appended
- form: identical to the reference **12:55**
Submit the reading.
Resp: **7:56**
